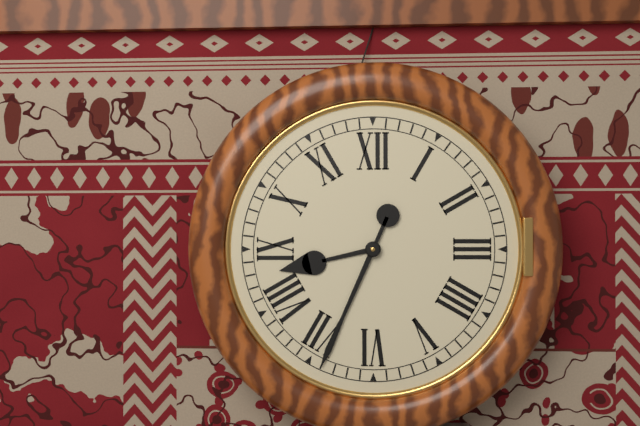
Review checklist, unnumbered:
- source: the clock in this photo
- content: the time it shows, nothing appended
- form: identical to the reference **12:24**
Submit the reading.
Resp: **8:34**
